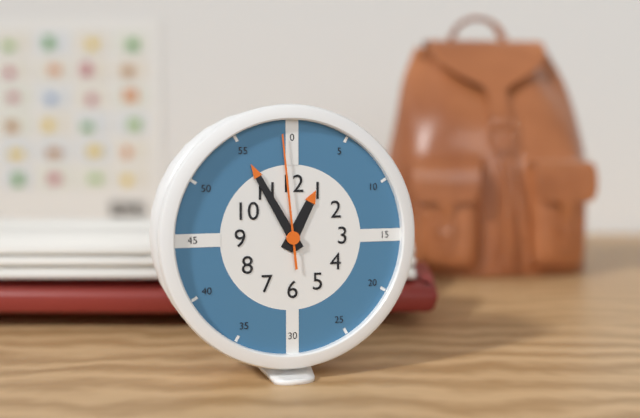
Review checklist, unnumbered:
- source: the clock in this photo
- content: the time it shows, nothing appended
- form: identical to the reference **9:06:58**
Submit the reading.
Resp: **12:55:59**
